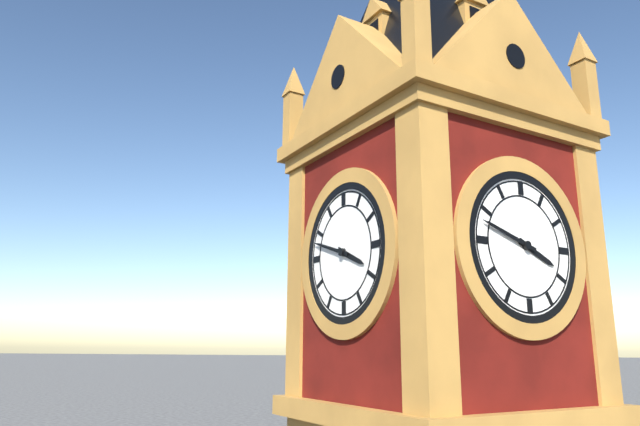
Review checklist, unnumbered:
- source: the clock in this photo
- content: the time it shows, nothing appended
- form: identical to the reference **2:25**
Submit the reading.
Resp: **3:48**
